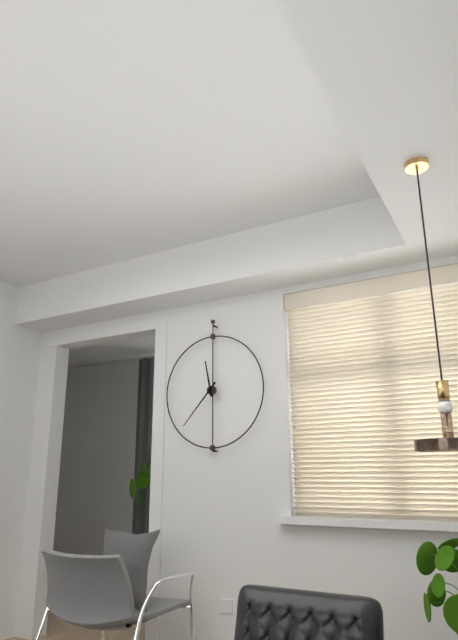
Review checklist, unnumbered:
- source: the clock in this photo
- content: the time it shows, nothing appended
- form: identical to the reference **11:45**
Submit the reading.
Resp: **11:37**
